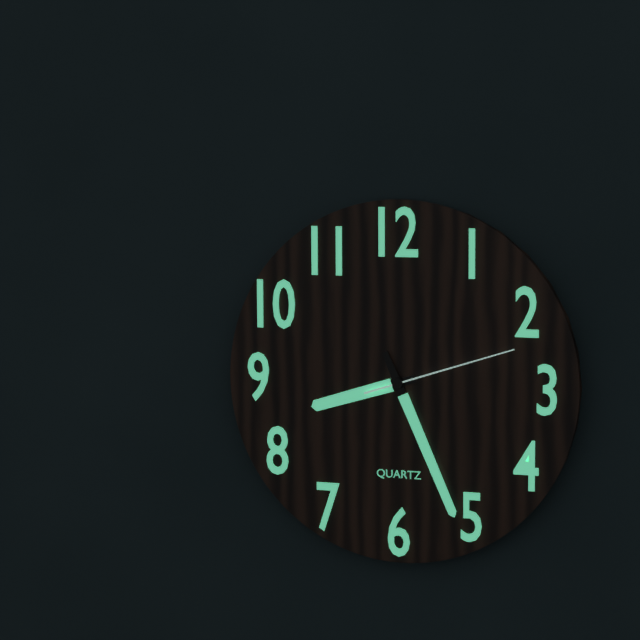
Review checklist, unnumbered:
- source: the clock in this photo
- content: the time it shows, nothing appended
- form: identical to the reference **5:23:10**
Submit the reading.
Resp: **8:26:12**
